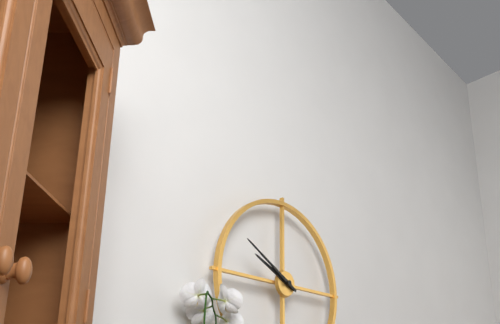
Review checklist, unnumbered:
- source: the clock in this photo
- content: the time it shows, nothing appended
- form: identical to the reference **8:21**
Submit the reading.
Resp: **9:50**
